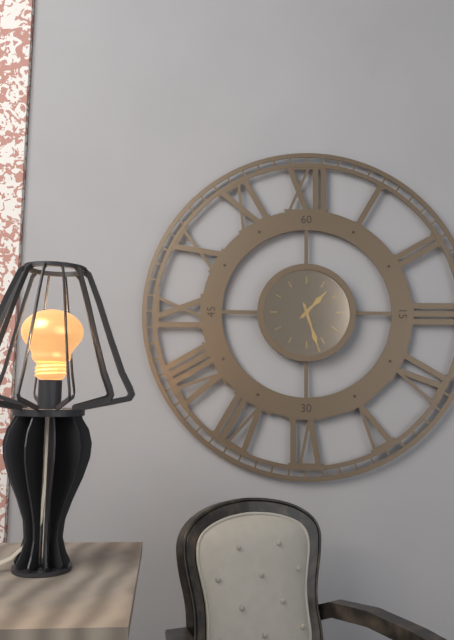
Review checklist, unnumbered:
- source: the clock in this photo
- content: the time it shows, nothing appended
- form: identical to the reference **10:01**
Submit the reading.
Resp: **1:27**
